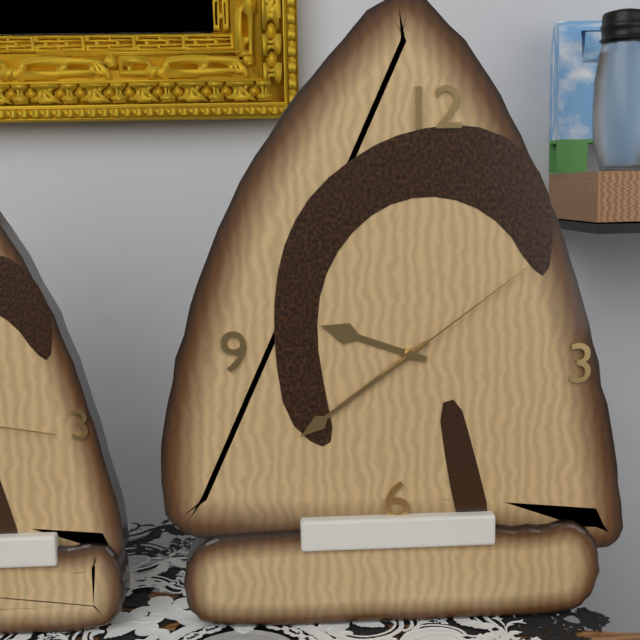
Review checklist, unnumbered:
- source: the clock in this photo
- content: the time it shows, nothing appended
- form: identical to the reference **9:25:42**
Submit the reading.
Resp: **9:39:09**
